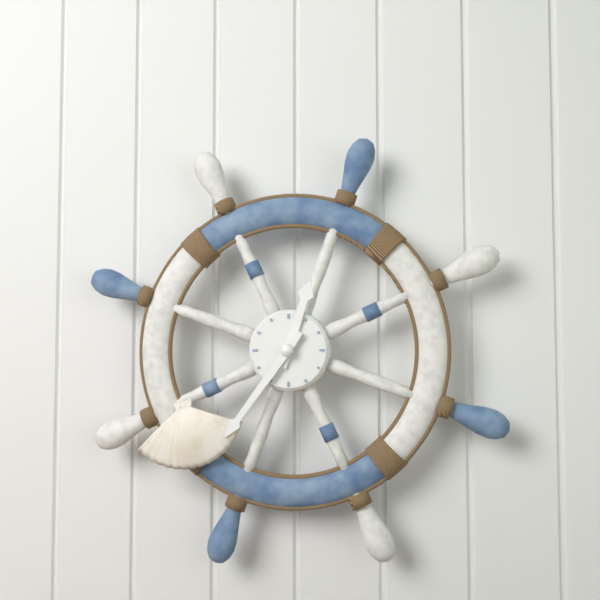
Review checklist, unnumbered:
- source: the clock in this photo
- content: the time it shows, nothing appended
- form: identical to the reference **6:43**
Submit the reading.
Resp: **12:36**
